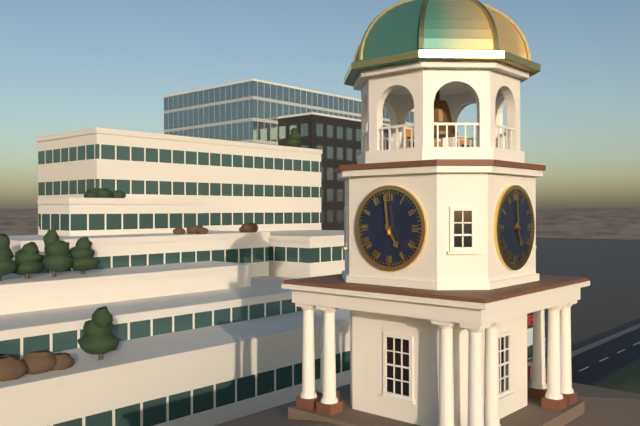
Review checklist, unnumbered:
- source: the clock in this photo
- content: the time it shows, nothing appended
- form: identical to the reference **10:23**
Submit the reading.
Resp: **4:59**
